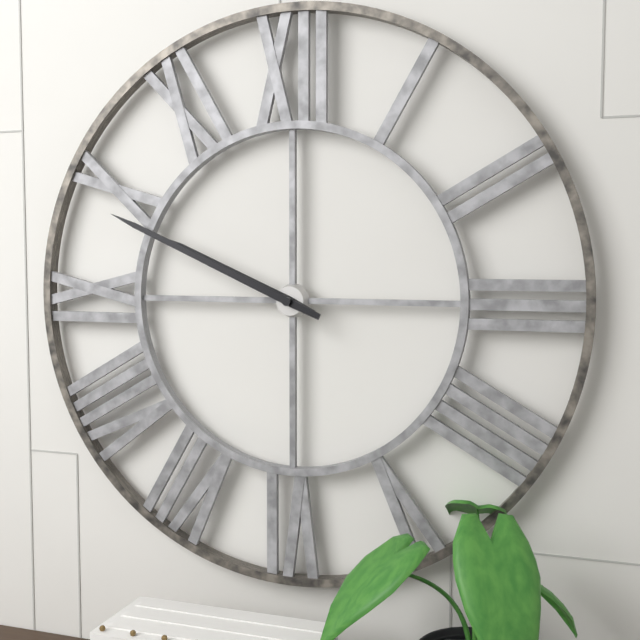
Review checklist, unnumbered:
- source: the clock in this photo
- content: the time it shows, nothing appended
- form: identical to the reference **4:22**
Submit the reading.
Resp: **9:49**
